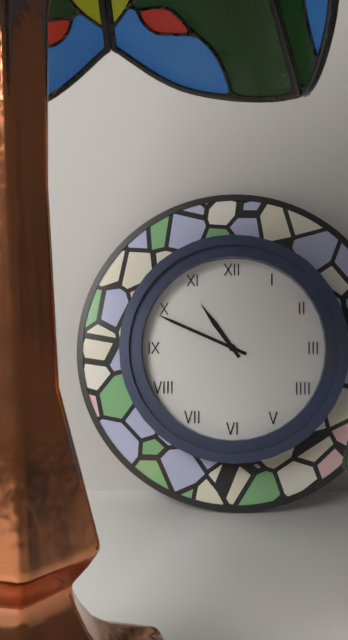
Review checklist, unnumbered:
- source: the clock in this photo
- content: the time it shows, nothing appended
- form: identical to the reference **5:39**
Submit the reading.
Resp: **10:49**
